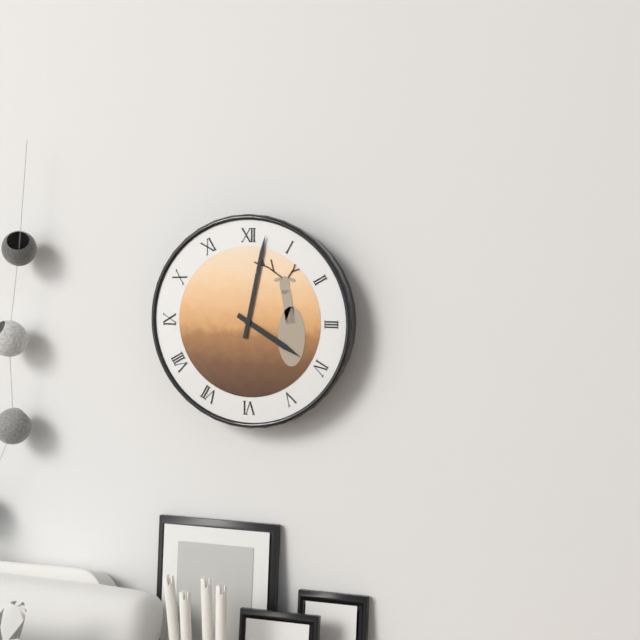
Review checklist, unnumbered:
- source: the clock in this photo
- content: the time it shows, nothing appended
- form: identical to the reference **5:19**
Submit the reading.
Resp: **4:02**
